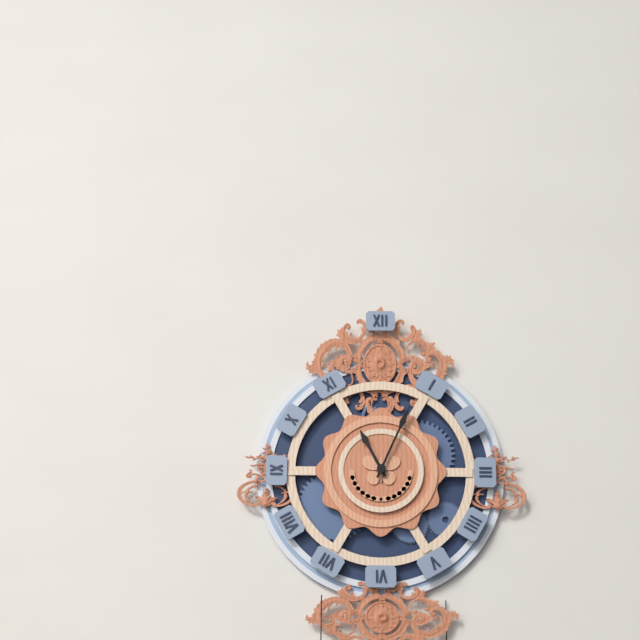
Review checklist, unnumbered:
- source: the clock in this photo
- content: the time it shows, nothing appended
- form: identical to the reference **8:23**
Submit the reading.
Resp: **11:04**
